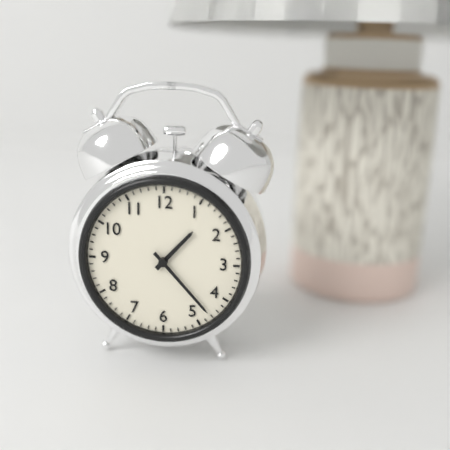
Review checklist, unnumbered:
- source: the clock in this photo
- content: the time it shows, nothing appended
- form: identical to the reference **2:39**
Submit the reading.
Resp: **1:23**
